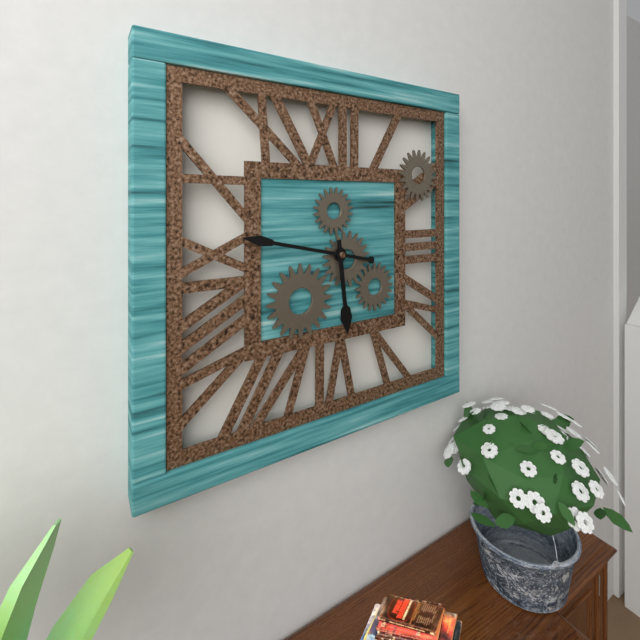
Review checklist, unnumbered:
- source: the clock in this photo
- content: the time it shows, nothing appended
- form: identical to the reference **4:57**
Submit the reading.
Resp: **5:47**
